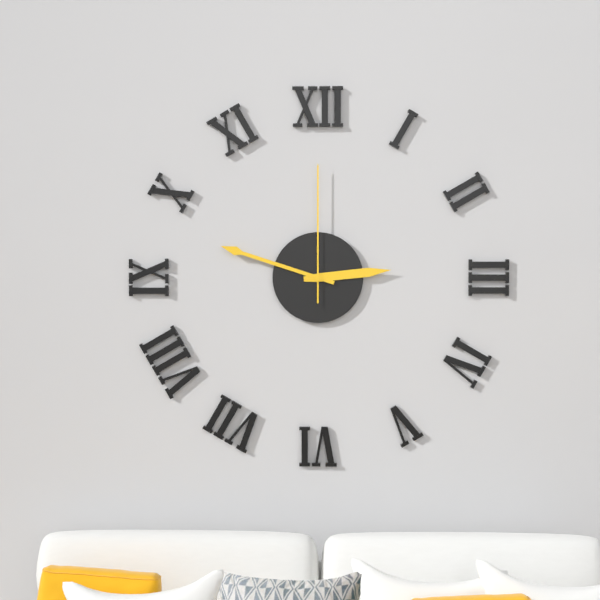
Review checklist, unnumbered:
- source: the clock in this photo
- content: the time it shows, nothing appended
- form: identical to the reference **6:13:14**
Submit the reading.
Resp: **2:48:00**
